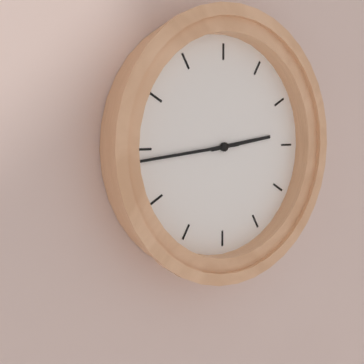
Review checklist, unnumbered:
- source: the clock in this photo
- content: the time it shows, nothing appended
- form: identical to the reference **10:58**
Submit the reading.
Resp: **2:44**
